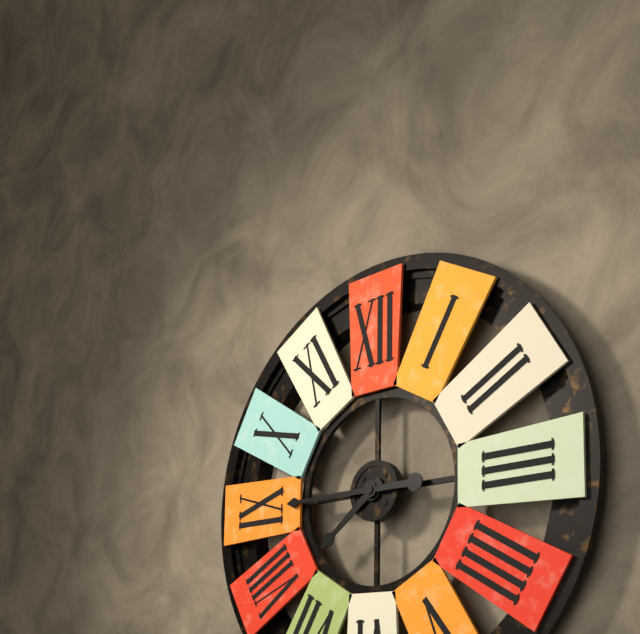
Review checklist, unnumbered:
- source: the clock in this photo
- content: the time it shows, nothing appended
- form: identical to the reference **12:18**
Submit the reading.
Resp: **7:45**
